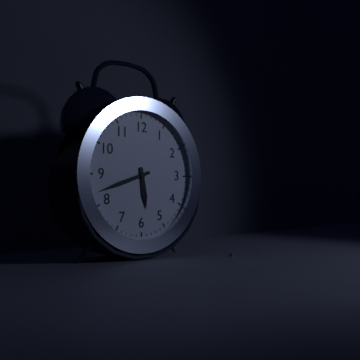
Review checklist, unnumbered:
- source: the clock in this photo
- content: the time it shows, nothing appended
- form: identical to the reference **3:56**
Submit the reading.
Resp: **5:42**
